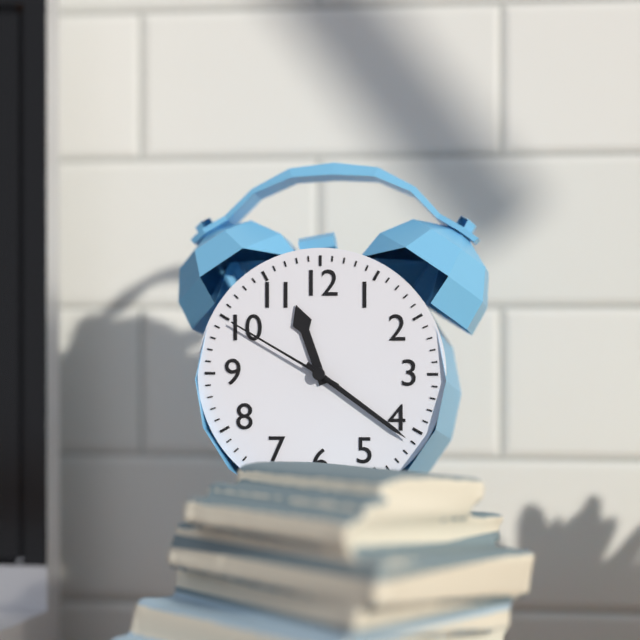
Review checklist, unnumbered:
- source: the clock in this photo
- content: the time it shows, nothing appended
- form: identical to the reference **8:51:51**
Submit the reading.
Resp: **11:21:50**
